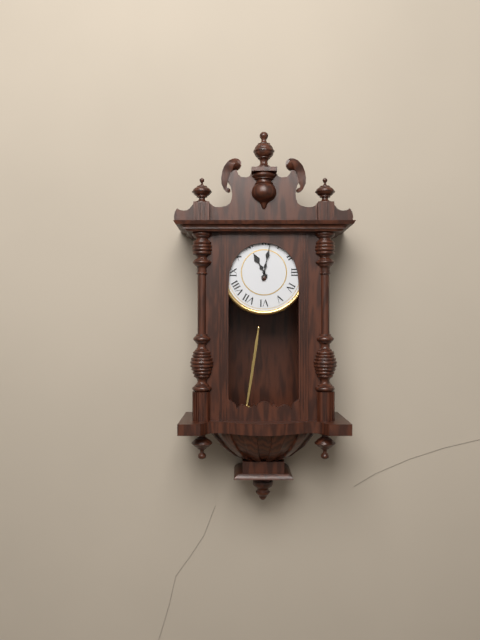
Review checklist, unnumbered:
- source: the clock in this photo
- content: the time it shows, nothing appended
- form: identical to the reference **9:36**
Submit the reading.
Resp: **11:02**
